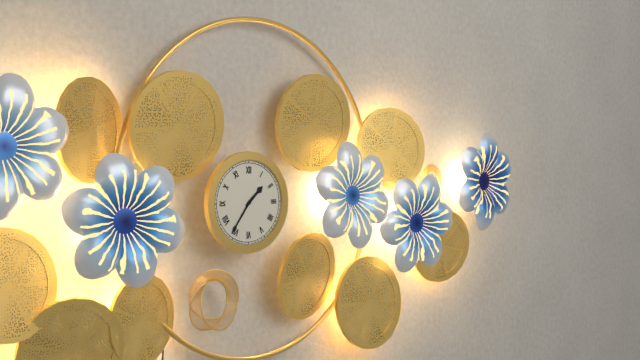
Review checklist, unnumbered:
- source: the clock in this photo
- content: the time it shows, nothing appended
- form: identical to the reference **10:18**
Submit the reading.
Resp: **1:36**
